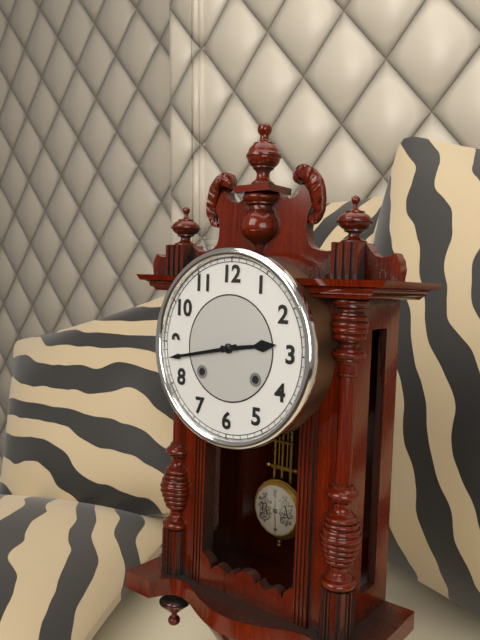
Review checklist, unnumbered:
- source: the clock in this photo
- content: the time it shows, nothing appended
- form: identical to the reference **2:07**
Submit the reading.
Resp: **2:43**
